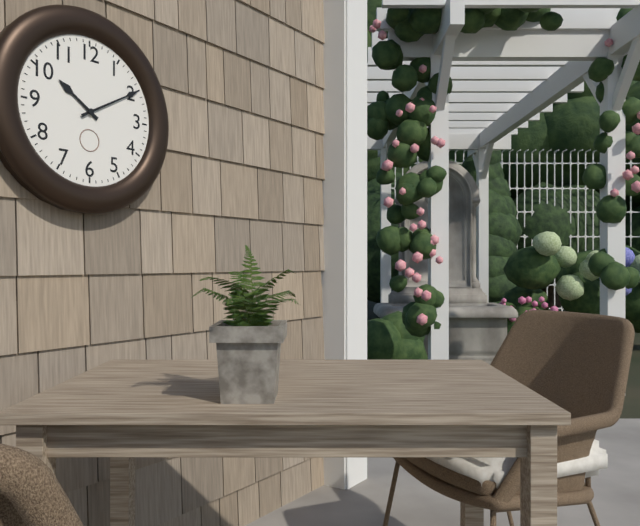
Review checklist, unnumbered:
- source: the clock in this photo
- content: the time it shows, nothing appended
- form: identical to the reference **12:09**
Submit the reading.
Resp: **10:10**
